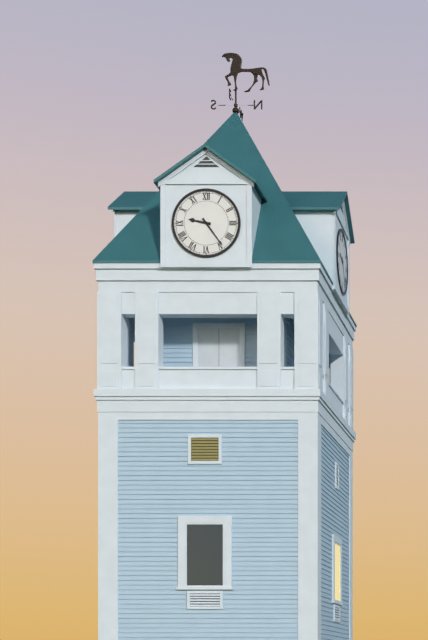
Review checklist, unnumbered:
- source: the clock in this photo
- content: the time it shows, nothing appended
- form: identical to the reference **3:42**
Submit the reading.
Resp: **9:24**
